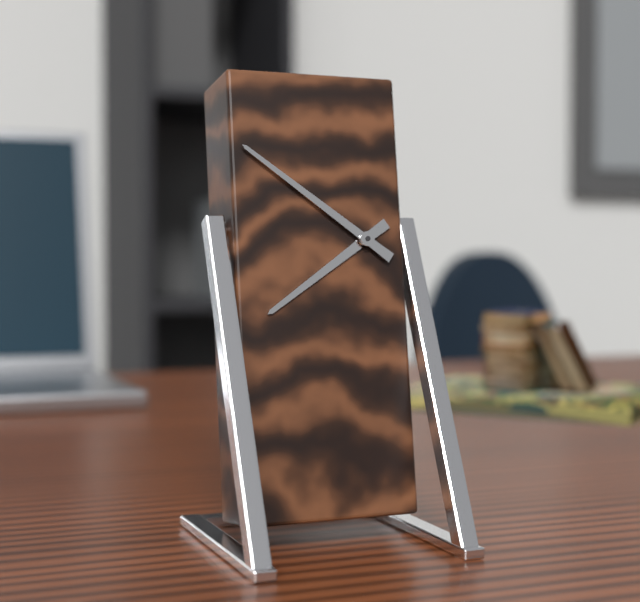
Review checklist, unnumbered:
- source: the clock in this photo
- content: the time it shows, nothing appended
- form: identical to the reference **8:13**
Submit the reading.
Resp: **7:51**
